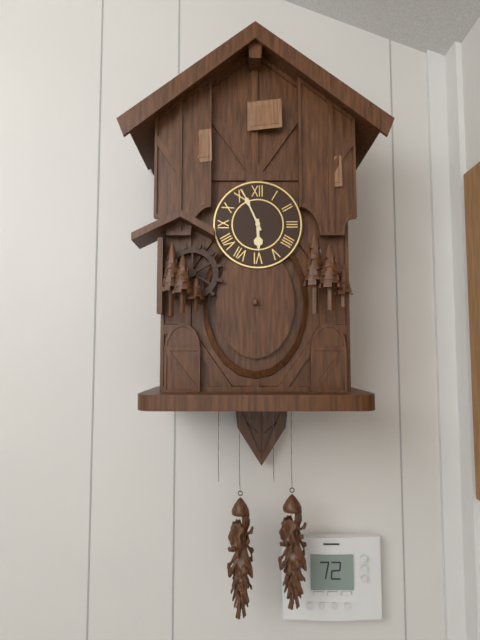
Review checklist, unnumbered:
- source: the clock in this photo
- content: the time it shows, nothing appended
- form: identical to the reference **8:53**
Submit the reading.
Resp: **5:56**
